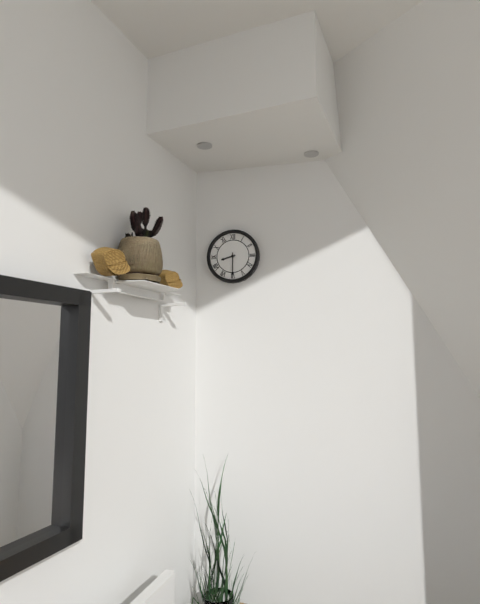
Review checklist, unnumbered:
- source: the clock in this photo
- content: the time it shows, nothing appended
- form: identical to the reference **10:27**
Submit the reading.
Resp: **8:30**
